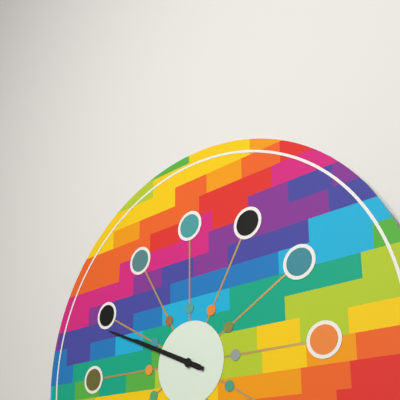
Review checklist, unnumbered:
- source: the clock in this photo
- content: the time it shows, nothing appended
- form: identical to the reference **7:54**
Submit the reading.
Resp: **9:49**
